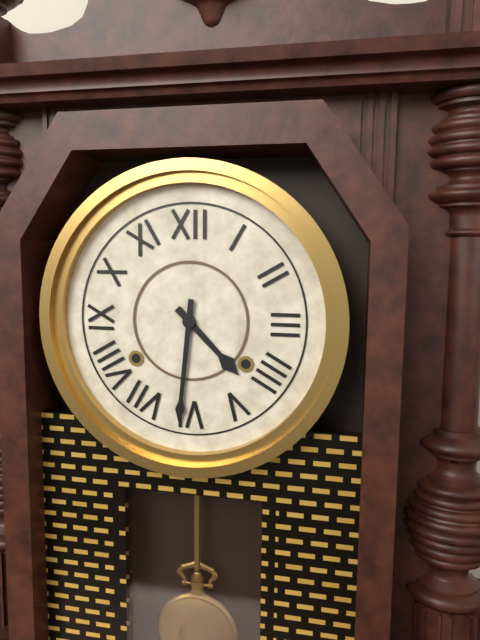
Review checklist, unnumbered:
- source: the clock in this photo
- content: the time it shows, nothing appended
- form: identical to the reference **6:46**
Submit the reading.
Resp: **4:31**
